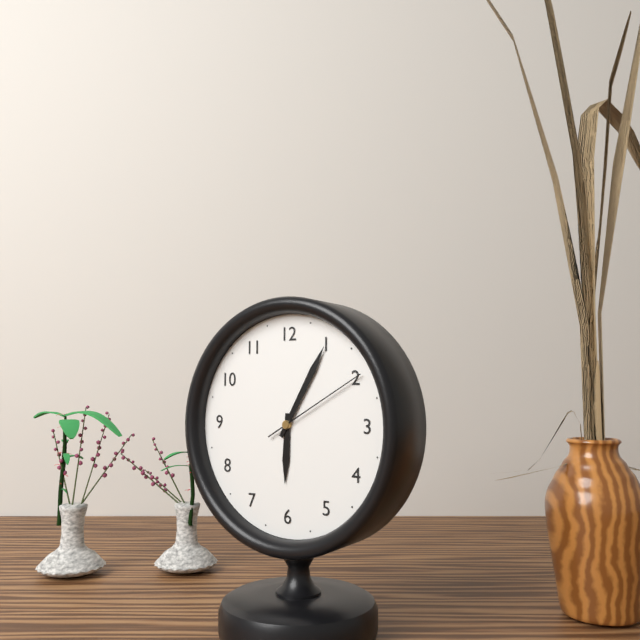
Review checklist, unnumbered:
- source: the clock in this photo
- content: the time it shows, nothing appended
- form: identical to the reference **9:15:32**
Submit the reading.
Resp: **6:05:10**
